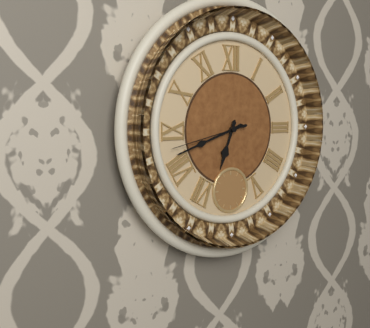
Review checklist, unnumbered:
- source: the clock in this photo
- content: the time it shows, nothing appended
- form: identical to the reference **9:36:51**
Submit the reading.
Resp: **6:42:43**
